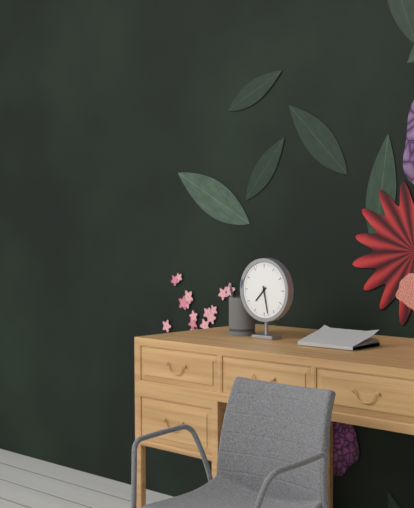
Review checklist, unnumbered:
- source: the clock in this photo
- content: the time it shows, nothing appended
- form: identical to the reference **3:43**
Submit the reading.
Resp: **7:28**
